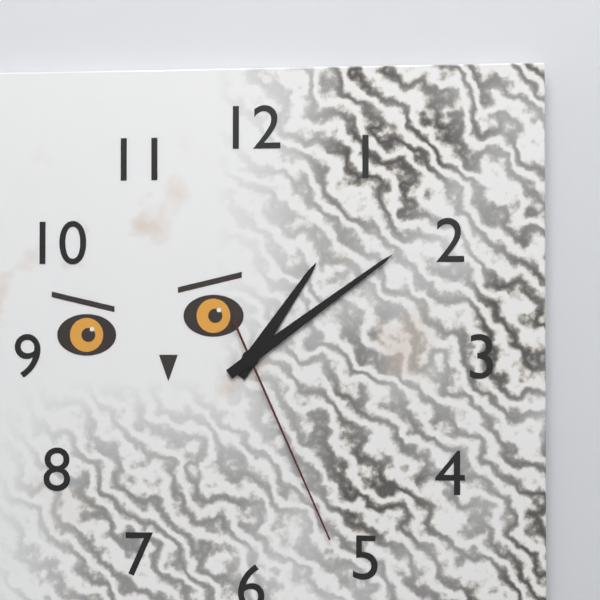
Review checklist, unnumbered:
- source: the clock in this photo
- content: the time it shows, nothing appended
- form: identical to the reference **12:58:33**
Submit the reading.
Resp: **1:09:26**
